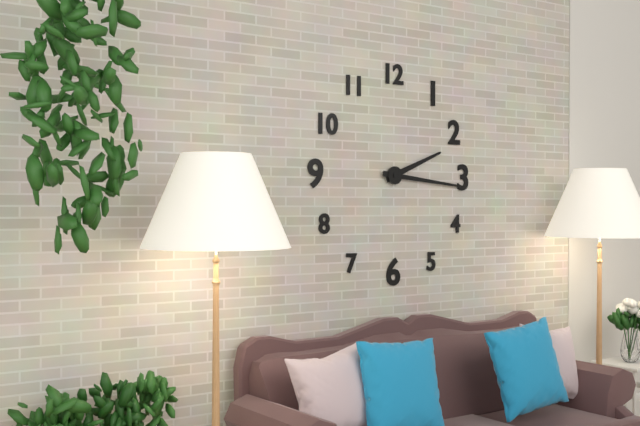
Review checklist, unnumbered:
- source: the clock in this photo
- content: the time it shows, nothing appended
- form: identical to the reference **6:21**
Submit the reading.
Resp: **2:16**
